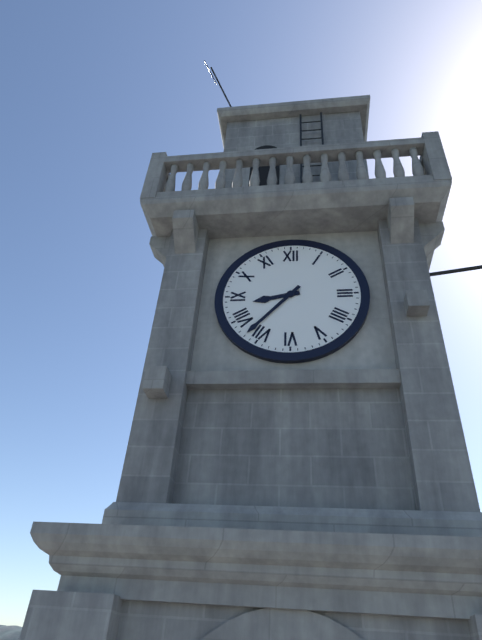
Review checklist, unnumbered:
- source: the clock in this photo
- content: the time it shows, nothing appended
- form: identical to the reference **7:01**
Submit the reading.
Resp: **8:37**
